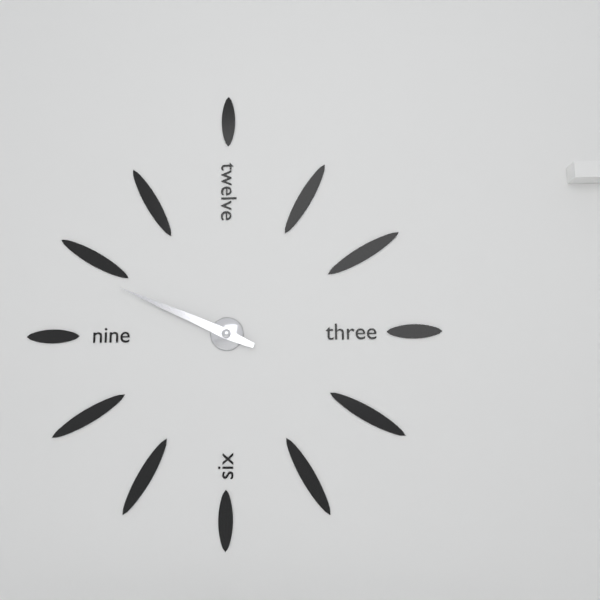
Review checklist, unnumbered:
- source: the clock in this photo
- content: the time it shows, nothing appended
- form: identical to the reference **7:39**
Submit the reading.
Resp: **9:49**
